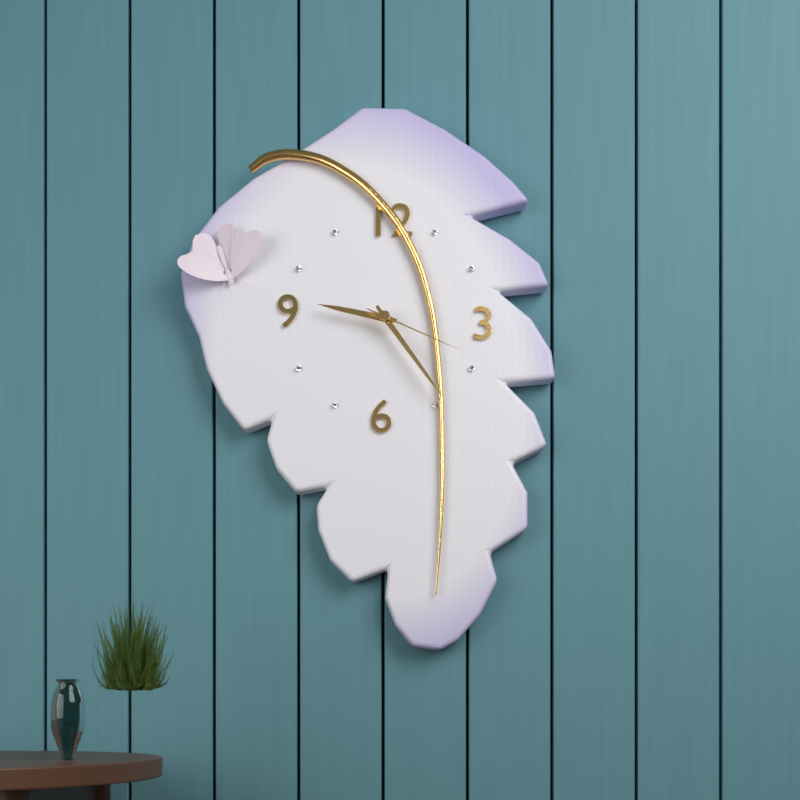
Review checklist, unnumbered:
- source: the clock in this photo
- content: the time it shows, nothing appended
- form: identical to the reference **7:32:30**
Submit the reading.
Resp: **9:24:19**
